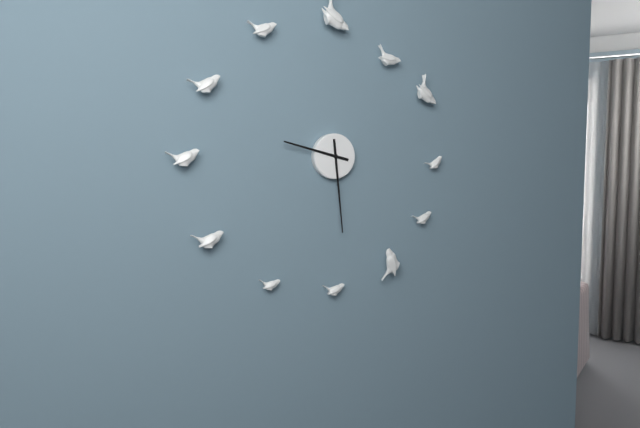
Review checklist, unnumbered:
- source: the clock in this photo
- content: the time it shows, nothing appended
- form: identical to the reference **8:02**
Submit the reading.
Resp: **9:29**
